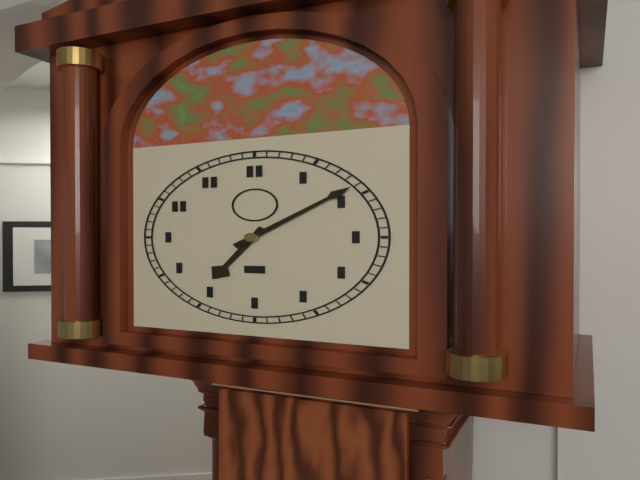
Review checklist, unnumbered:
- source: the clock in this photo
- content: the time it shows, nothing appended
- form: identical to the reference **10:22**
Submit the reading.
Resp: **7:09**
